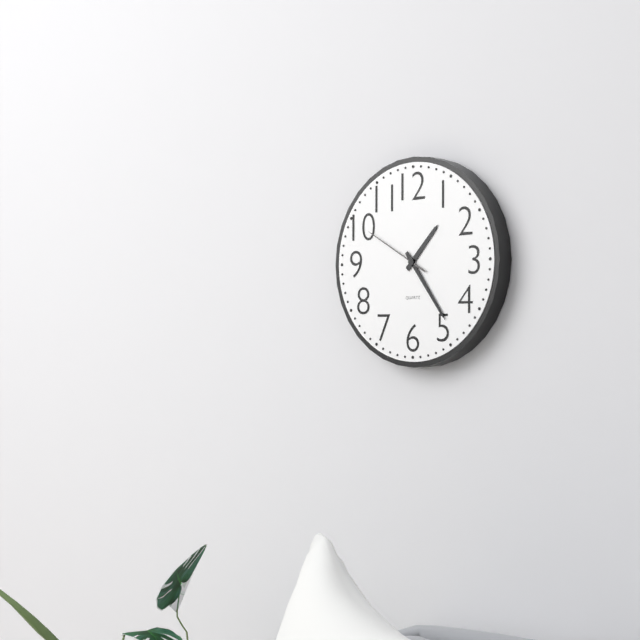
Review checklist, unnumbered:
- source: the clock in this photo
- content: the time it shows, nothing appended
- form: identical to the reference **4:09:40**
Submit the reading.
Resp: **1:24:50**
